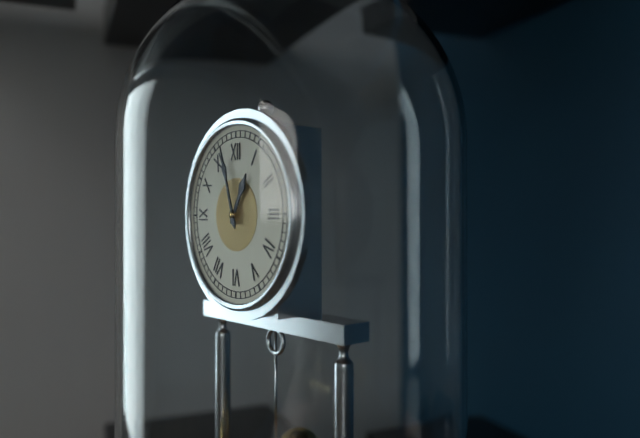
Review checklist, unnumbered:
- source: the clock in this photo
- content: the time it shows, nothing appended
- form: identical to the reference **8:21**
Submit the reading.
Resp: **12:57**
